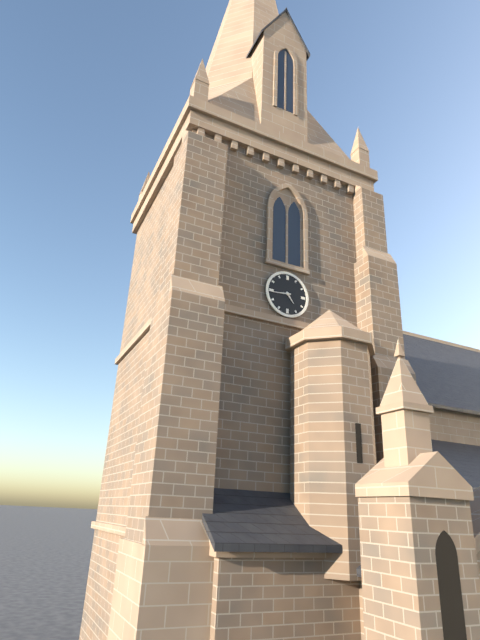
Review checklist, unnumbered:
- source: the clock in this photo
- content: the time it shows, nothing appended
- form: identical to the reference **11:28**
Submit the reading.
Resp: **4:44**
